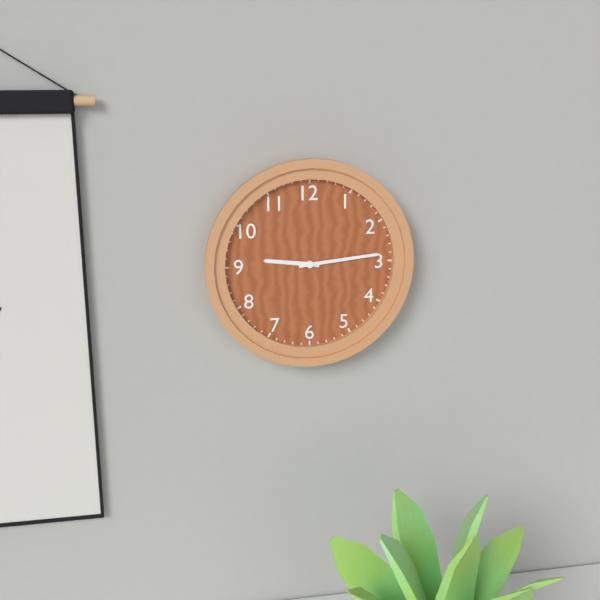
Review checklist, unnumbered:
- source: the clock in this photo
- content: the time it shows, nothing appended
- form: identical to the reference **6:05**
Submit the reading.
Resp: **9:14**
